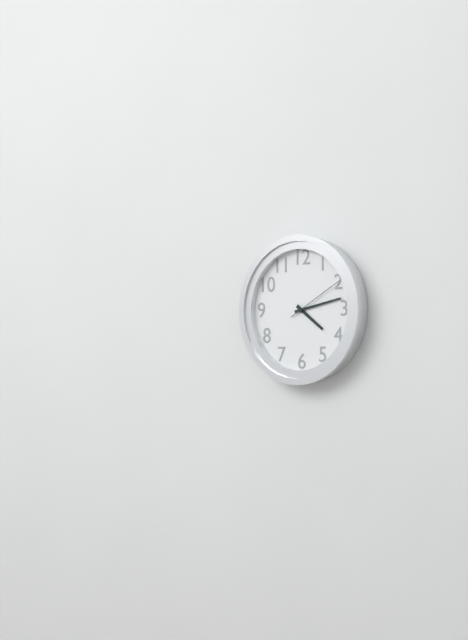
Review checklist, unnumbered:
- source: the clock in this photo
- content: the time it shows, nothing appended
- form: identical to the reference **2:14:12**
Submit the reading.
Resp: **4:13:10**
